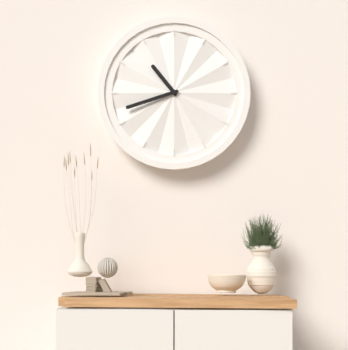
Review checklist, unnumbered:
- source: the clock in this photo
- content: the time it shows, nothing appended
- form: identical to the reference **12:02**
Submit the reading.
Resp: **10:42**
